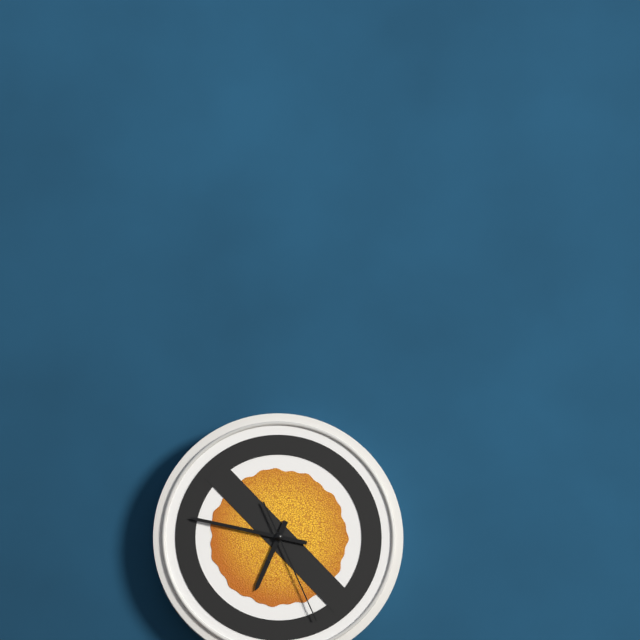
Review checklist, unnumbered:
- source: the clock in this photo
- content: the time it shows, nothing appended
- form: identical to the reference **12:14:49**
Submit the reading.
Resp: **6:47:26**
